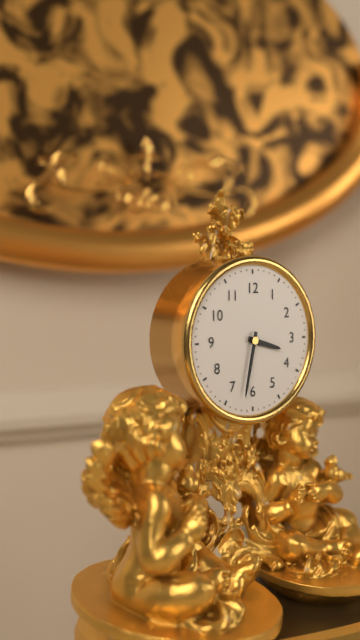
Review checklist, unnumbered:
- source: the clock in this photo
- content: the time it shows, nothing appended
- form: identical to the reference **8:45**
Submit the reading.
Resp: **3:32**
